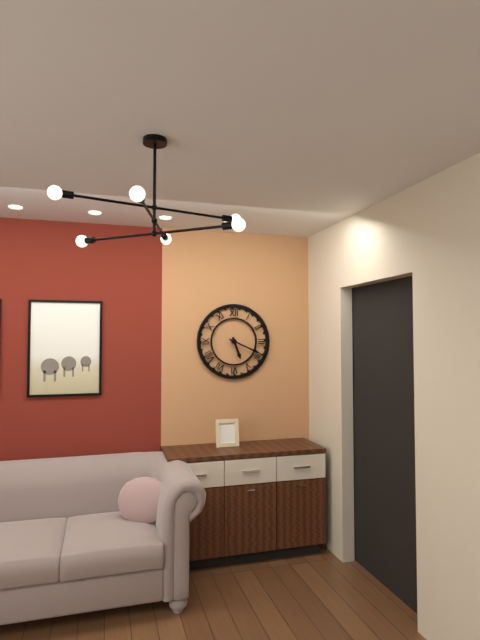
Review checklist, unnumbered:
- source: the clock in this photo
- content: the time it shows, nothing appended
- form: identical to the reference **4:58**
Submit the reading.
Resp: **5:19**
